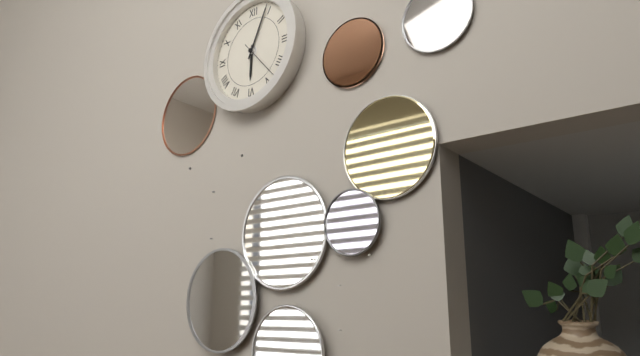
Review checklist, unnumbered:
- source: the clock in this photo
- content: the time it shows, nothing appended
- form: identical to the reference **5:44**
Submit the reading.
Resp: **6:04**
